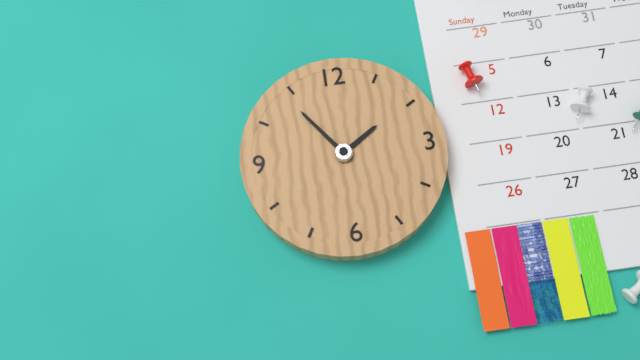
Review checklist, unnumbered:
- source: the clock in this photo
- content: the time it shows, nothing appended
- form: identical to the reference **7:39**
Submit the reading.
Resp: **1:54**
